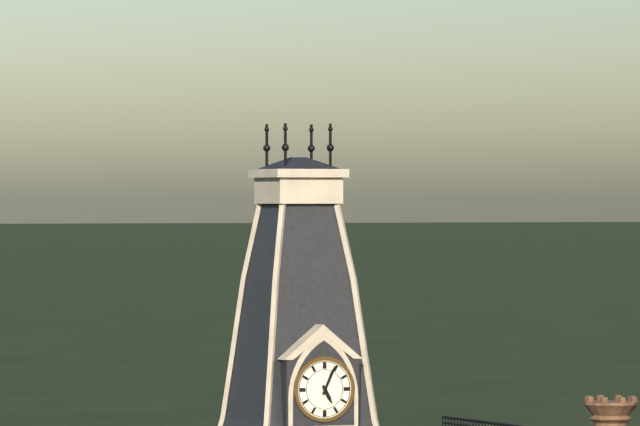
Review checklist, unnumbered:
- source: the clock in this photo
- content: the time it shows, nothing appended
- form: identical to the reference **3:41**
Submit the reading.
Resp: **5:04**
